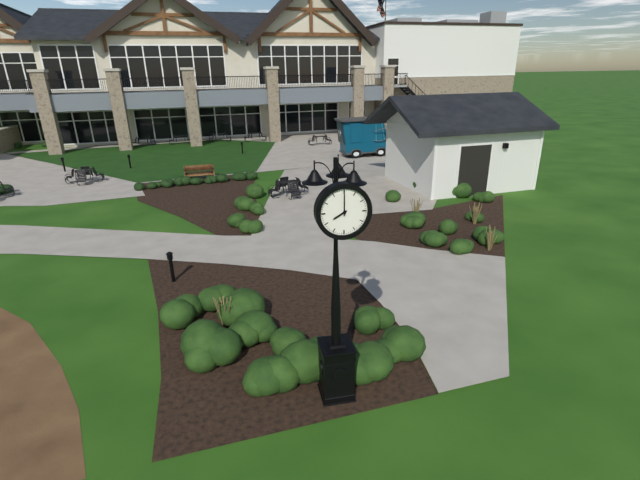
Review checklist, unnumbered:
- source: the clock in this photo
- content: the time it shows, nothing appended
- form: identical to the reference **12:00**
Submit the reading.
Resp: **8:00**
